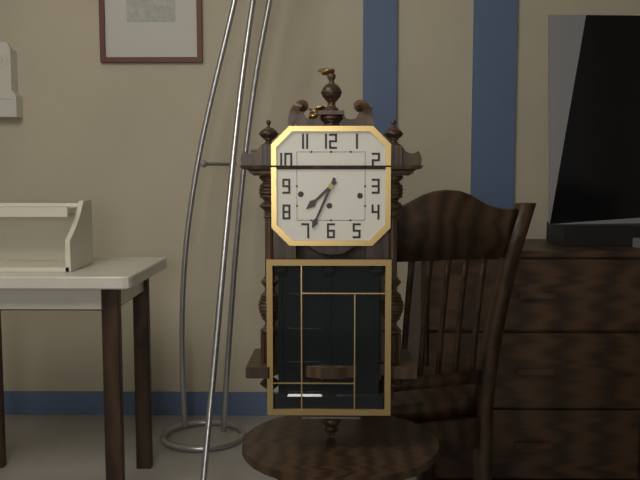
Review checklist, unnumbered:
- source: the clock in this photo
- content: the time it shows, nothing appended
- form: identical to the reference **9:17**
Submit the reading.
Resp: **7:34**
